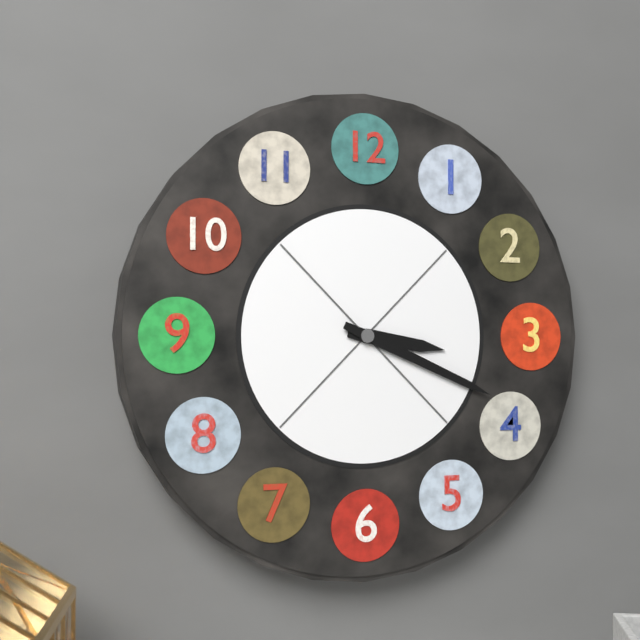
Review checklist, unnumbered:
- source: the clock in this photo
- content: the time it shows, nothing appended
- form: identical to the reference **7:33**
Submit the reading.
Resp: **3:19**
